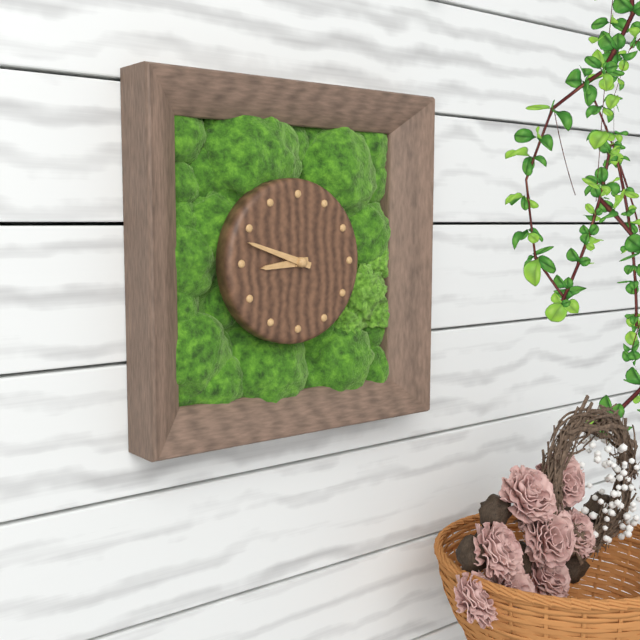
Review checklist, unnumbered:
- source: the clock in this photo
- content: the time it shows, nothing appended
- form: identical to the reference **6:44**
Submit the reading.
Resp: **8:48**
